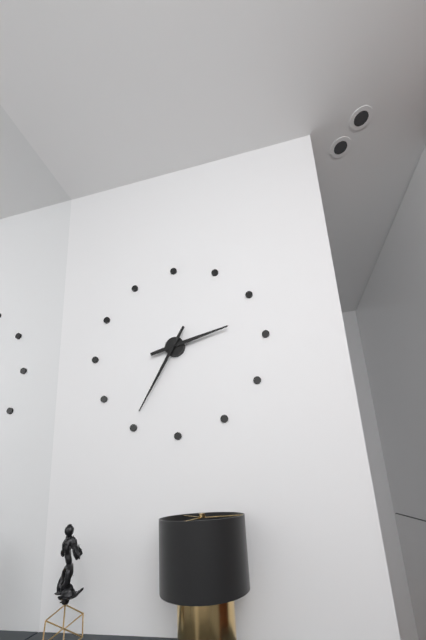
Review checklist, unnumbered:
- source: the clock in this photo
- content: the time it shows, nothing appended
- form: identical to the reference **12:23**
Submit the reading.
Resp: **2:35**
